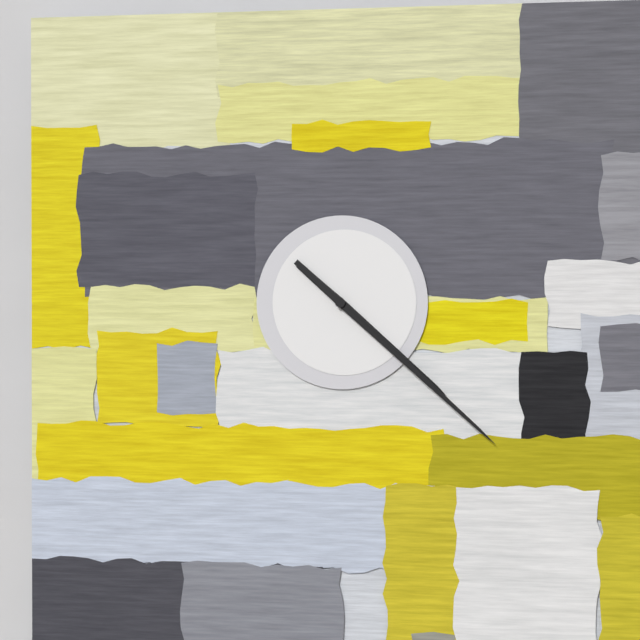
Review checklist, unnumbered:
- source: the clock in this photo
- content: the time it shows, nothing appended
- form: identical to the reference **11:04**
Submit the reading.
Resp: **4:22**
